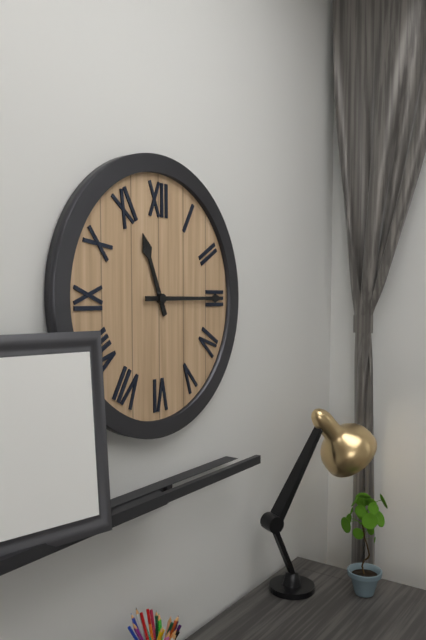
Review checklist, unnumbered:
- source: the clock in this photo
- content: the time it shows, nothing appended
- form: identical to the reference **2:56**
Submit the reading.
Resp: **11:15**
